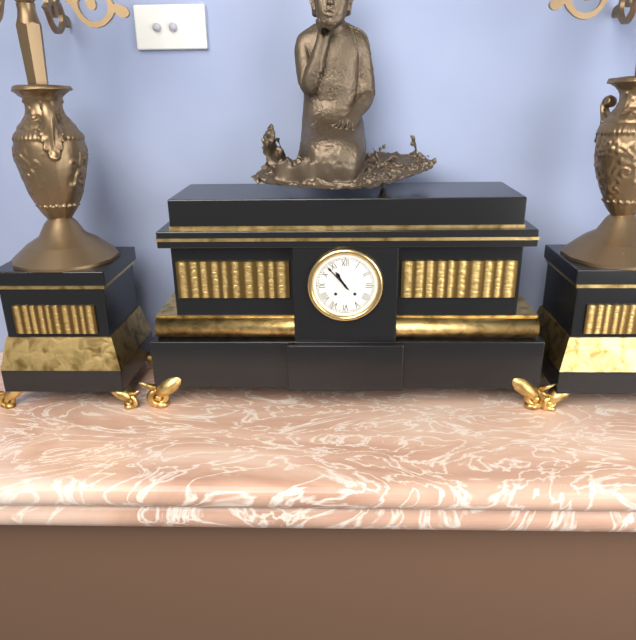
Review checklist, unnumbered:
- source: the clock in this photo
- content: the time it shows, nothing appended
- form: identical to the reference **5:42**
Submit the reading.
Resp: **10:53**
